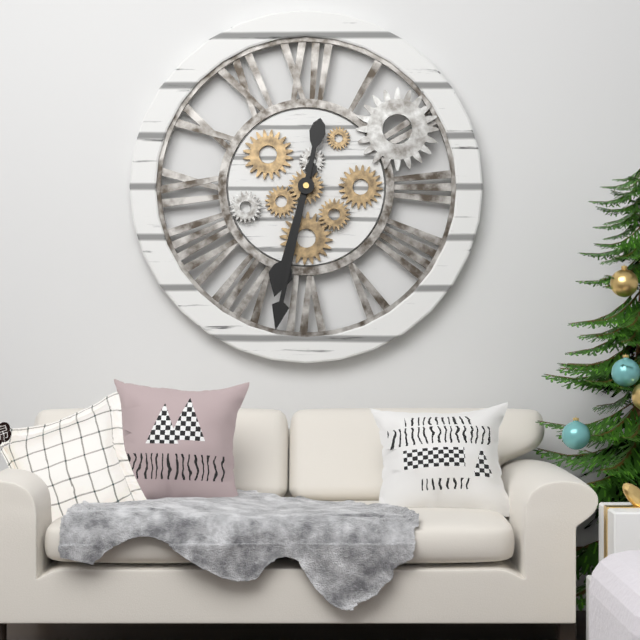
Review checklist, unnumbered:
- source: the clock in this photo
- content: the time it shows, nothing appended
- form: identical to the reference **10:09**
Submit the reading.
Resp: **6:32**
